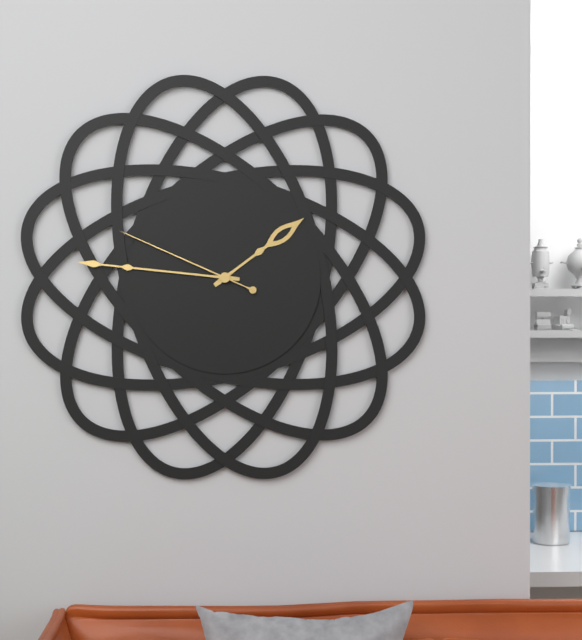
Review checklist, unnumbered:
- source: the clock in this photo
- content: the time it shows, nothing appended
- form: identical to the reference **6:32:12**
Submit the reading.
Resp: **1:46:49**
